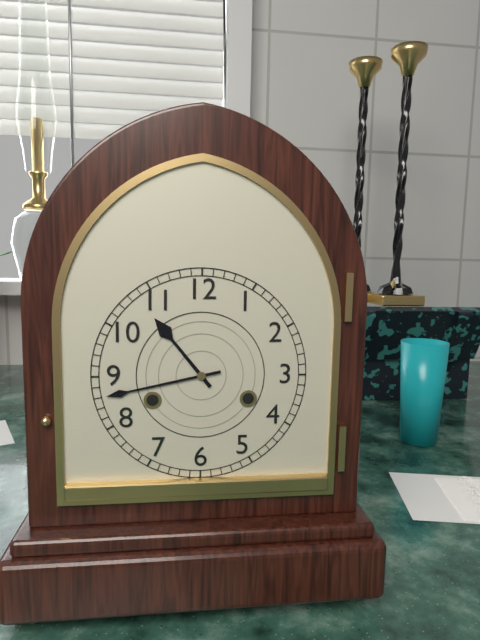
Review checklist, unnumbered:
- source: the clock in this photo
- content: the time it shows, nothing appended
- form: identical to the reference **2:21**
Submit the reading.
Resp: **10:43**
